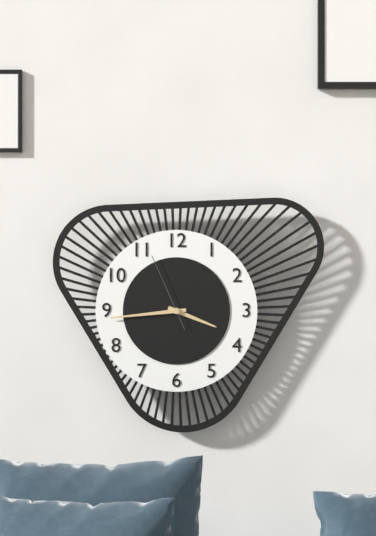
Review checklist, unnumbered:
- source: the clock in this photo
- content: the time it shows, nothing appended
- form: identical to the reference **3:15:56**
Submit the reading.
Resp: **3:44:56**
